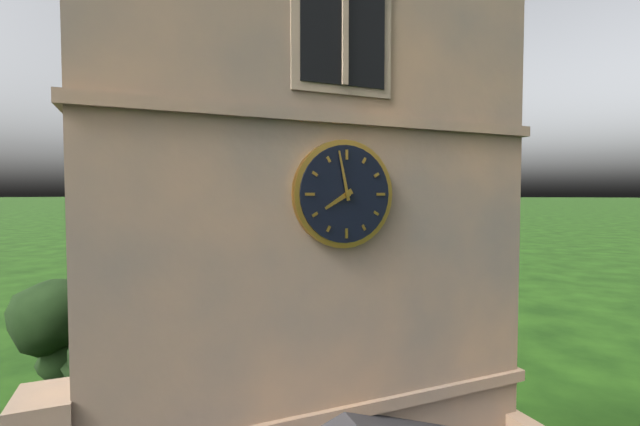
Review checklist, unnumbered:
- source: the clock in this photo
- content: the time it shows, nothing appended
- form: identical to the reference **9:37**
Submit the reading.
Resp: **7:58**
